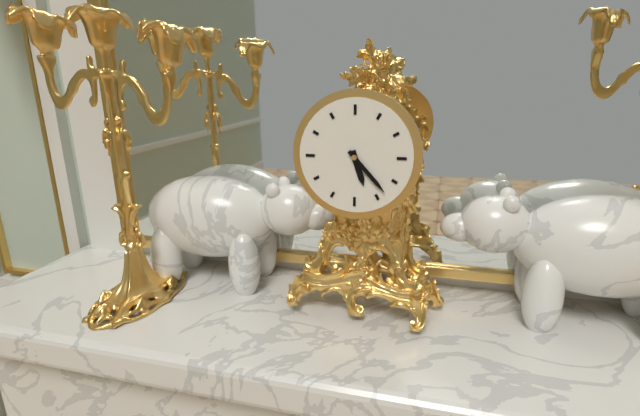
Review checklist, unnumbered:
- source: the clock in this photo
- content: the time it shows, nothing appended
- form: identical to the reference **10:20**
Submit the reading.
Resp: **5:23**
